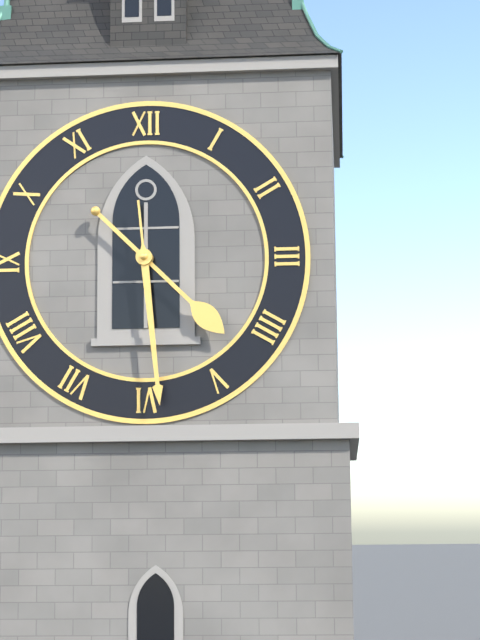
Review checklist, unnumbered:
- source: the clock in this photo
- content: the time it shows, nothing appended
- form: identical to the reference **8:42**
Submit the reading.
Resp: **4:29**
